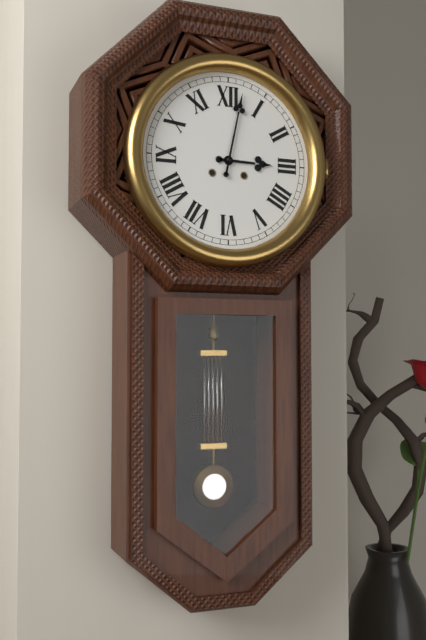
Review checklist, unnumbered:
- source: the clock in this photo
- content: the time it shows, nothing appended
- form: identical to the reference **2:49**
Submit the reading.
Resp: **3:02**
